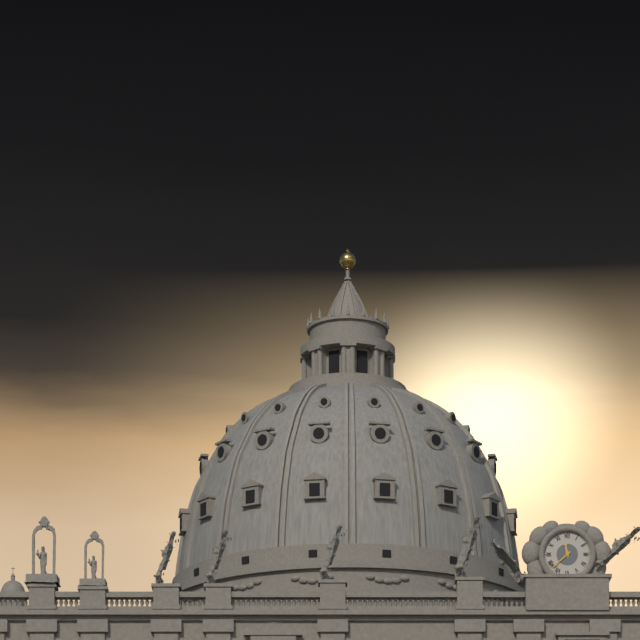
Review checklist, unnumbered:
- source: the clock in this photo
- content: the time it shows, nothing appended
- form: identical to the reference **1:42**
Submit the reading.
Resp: **11:38**
